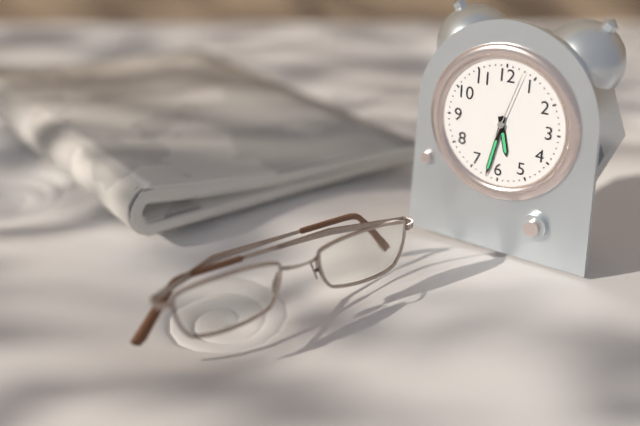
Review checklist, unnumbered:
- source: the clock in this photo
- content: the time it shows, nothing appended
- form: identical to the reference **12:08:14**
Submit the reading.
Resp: **5:32:03**
